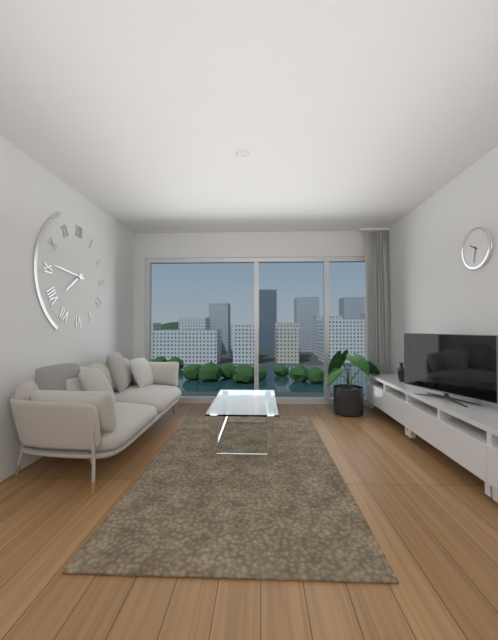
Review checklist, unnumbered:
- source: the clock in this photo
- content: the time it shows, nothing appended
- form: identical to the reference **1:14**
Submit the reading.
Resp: **7:46**
